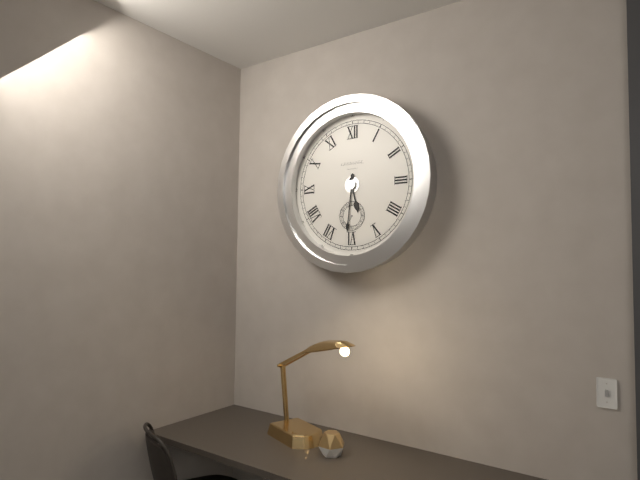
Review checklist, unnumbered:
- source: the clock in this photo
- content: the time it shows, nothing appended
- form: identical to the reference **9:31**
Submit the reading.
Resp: **5:31**
